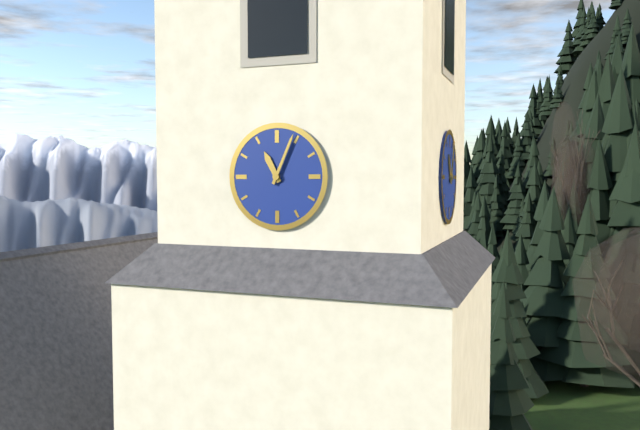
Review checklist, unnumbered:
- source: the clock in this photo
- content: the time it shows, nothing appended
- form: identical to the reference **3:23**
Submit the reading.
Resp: **11:04**
